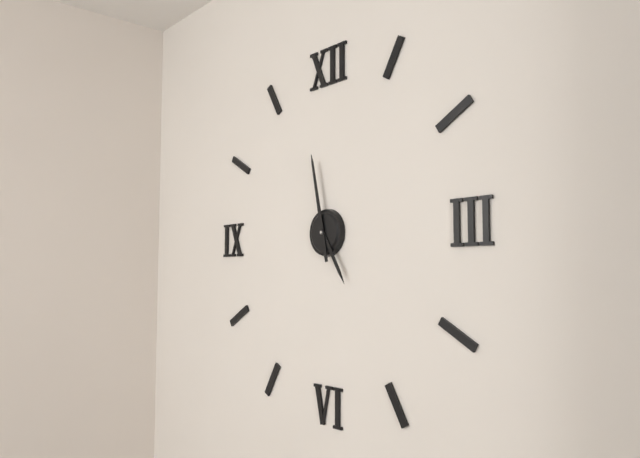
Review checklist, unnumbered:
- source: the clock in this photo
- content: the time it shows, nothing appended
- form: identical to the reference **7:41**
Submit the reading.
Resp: **4:58**
